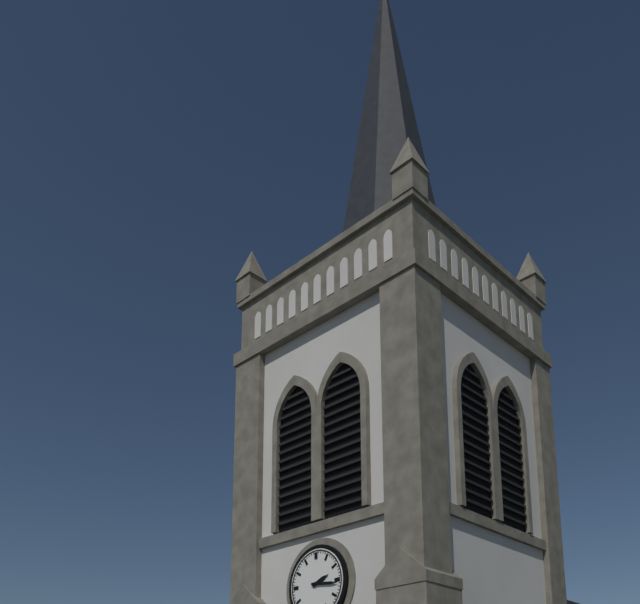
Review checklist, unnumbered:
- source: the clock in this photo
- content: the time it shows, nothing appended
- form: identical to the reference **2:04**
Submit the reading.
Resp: **2:16**
